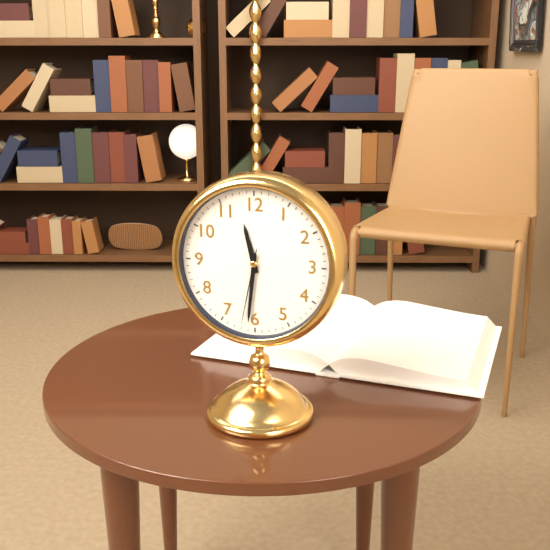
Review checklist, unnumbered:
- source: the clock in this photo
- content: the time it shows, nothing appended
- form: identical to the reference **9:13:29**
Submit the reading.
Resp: **11:31:32**
